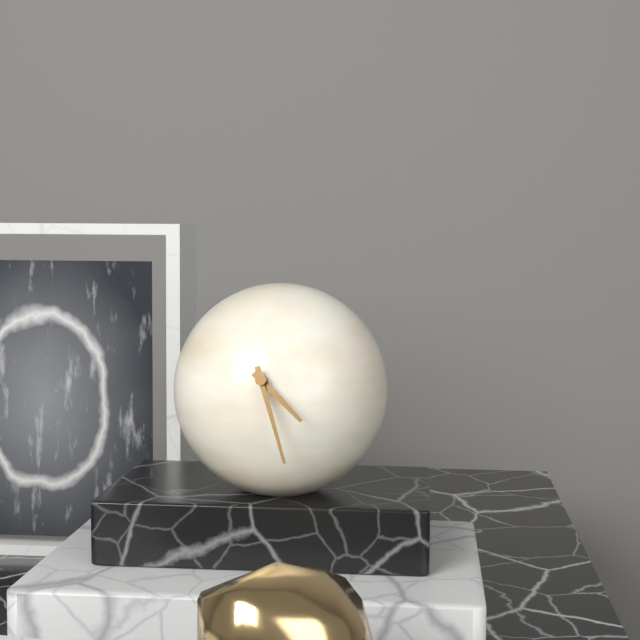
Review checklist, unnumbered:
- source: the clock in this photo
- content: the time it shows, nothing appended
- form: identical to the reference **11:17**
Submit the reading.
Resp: **4:27**
